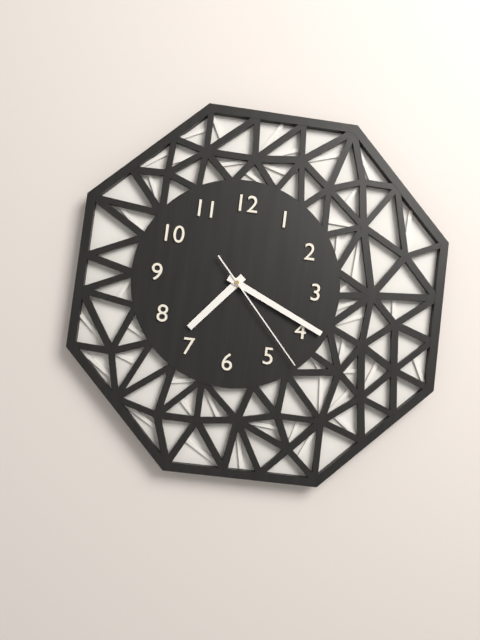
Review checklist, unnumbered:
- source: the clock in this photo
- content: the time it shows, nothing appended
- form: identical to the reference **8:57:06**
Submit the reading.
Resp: **7:19:23**
